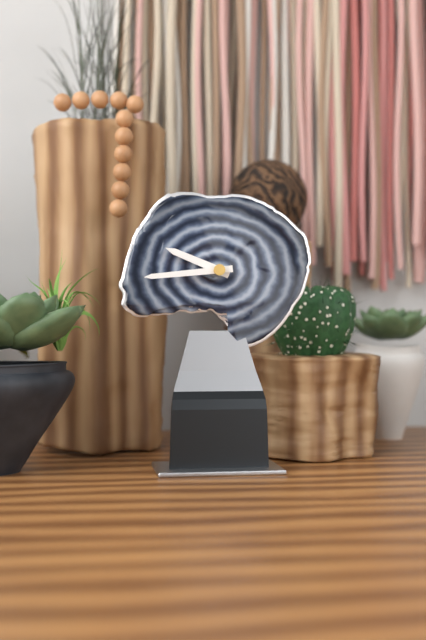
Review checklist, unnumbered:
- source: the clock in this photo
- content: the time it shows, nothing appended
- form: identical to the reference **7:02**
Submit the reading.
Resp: **9:44**
